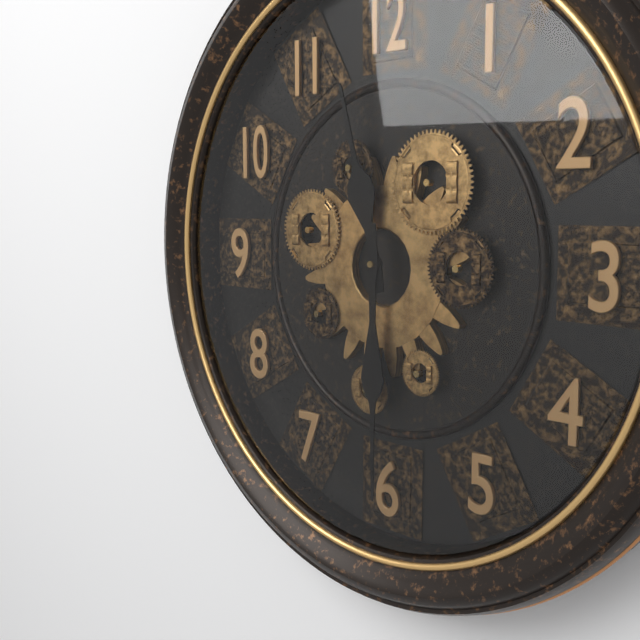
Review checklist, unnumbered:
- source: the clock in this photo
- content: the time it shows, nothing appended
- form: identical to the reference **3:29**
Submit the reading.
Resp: **11:30**
